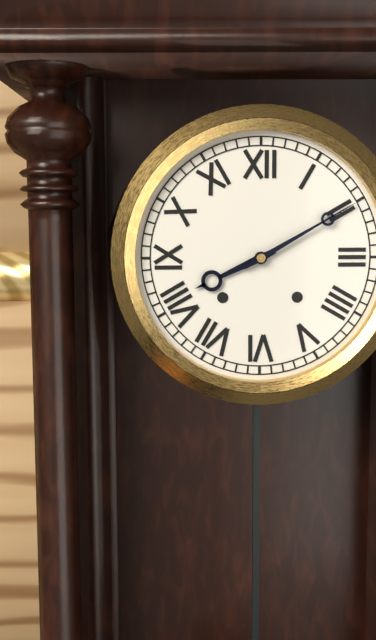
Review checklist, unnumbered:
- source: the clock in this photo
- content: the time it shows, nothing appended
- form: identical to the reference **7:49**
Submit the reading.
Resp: **8:10**
